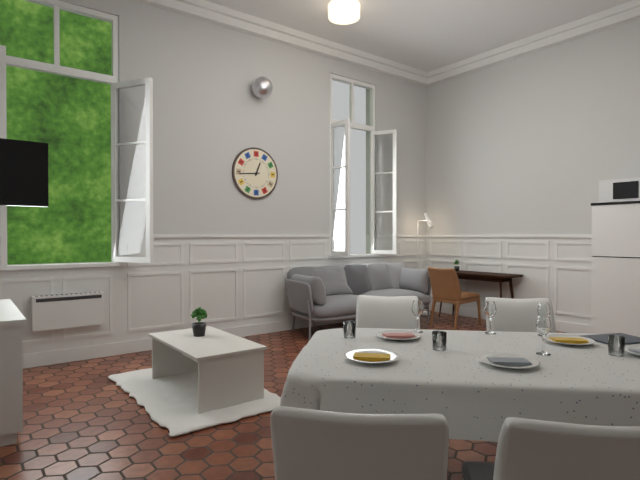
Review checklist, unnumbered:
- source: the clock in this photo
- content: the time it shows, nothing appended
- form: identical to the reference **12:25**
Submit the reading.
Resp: **12:44**
